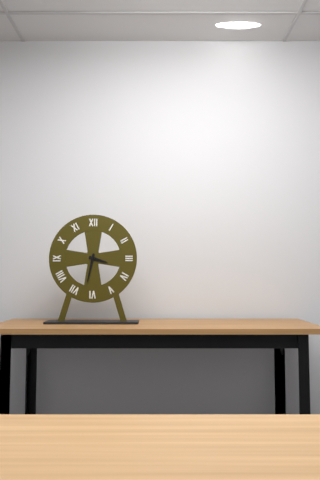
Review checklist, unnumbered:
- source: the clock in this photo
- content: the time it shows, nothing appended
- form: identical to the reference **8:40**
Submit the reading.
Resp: **3:32**
